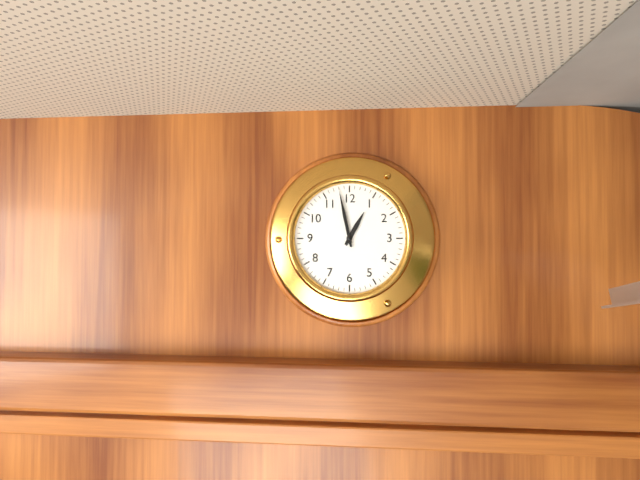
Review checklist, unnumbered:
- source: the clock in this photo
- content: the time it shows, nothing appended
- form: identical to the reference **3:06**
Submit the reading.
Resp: **12:58**
